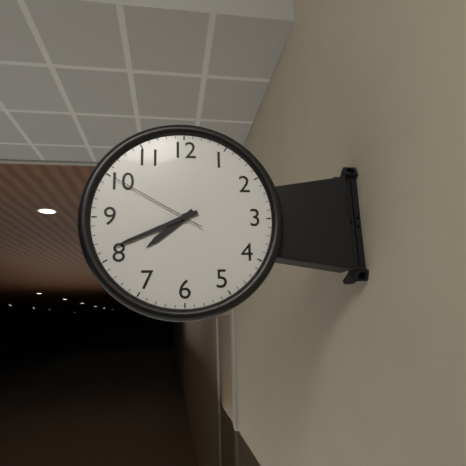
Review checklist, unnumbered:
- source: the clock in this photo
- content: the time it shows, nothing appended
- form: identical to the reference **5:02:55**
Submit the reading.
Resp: **7:41:50**
